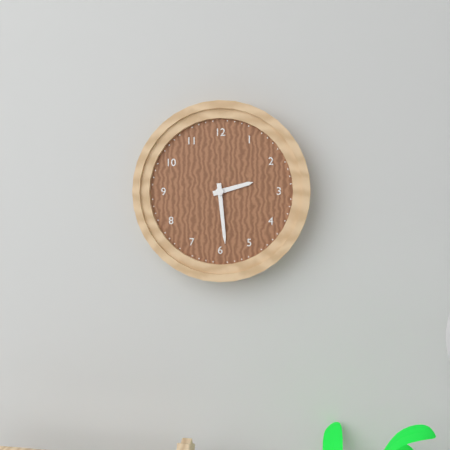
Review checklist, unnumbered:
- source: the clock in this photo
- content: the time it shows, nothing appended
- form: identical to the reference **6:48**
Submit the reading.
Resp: **2:29**
